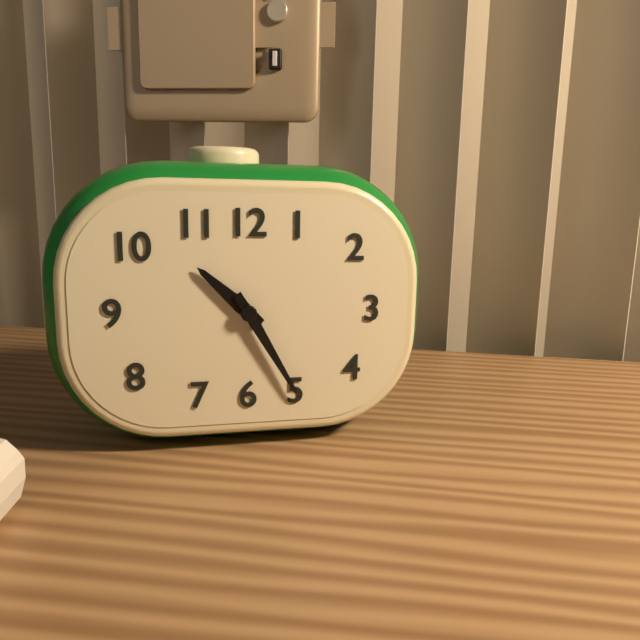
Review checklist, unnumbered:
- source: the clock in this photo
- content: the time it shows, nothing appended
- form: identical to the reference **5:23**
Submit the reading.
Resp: **10:25**
